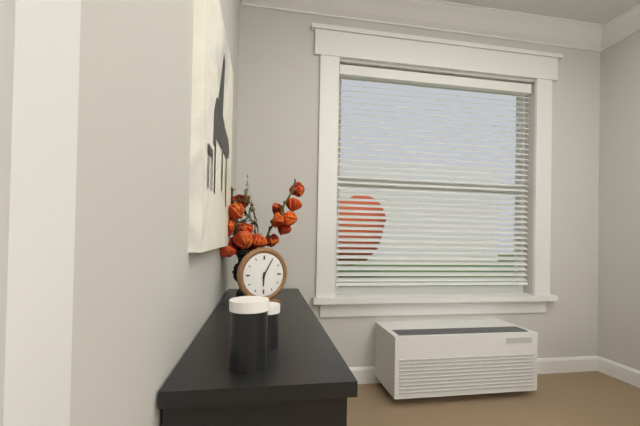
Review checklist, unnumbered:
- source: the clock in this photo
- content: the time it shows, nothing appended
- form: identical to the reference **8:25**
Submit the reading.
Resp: **6:05**
